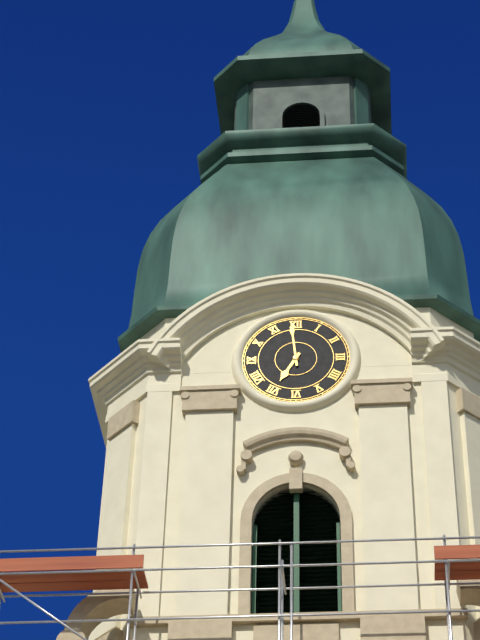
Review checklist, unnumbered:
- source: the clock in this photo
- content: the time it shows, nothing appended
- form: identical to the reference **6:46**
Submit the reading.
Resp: **6:59**
